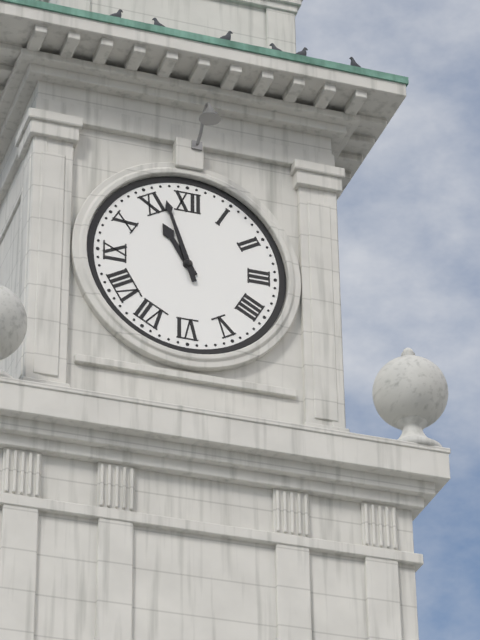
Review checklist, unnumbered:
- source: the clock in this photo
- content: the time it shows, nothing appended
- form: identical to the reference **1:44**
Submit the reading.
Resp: **10:57**
